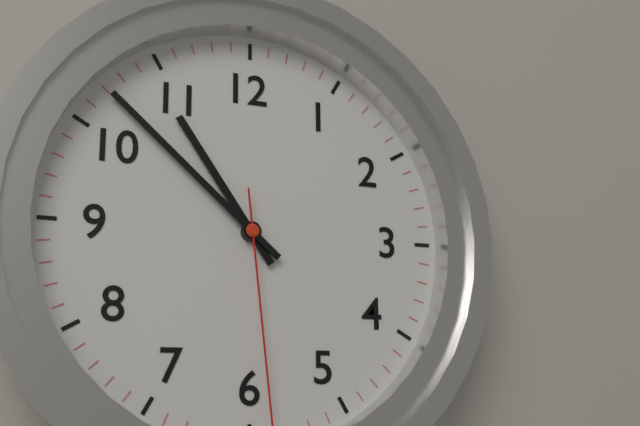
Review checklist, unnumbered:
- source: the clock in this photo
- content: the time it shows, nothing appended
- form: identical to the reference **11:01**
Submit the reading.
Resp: **10:52**
